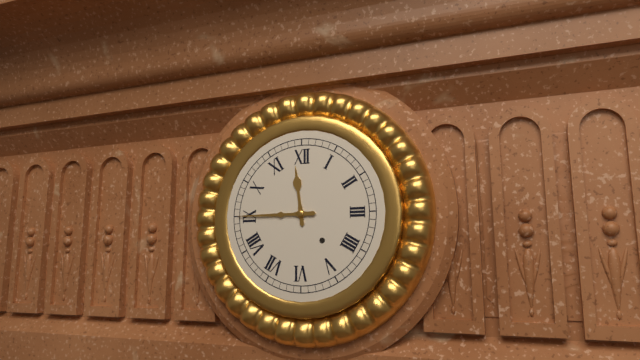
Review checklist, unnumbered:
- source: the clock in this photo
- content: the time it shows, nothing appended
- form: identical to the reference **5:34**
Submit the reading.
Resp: **11:45**
